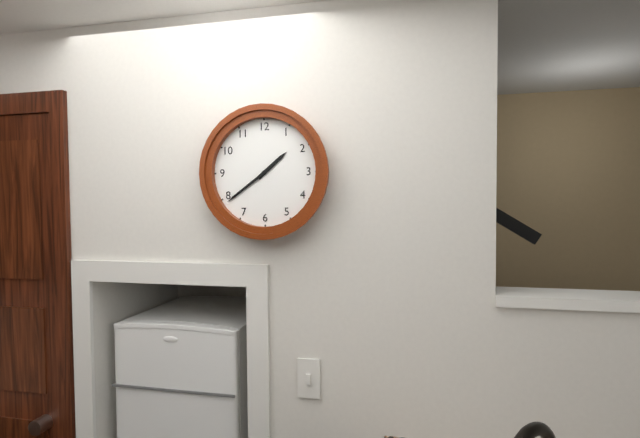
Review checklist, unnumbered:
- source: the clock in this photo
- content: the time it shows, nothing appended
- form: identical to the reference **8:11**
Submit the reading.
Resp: **1:39**
